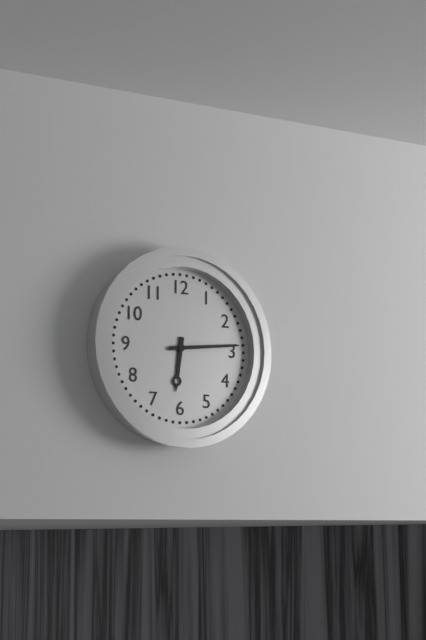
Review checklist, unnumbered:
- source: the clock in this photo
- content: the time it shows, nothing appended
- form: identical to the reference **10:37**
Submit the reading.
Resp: **6:14**
